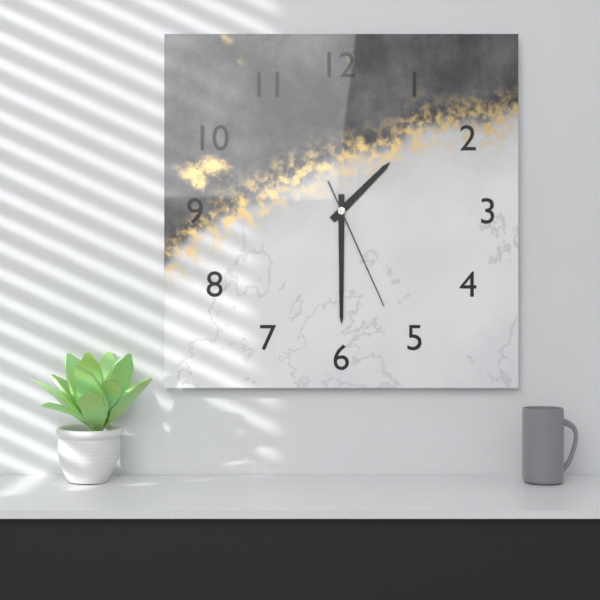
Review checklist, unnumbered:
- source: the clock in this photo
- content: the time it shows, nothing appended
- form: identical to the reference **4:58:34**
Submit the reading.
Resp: **1:30:26**
